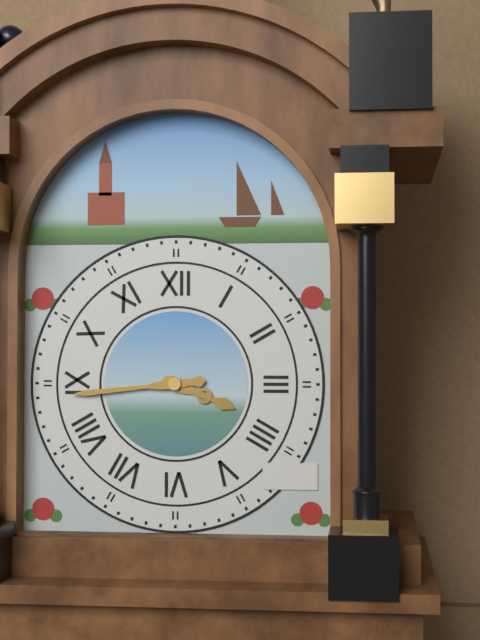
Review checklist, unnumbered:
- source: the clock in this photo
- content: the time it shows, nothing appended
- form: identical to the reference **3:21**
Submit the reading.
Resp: **3:44**
